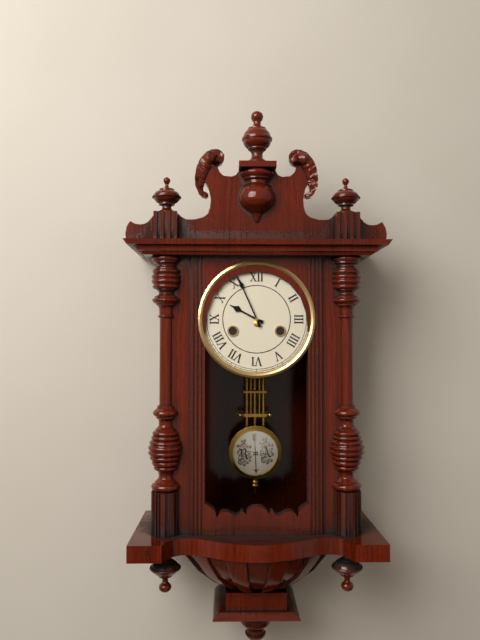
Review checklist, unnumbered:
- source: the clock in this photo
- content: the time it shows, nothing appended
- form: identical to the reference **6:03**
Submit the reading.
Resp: **9:56**
